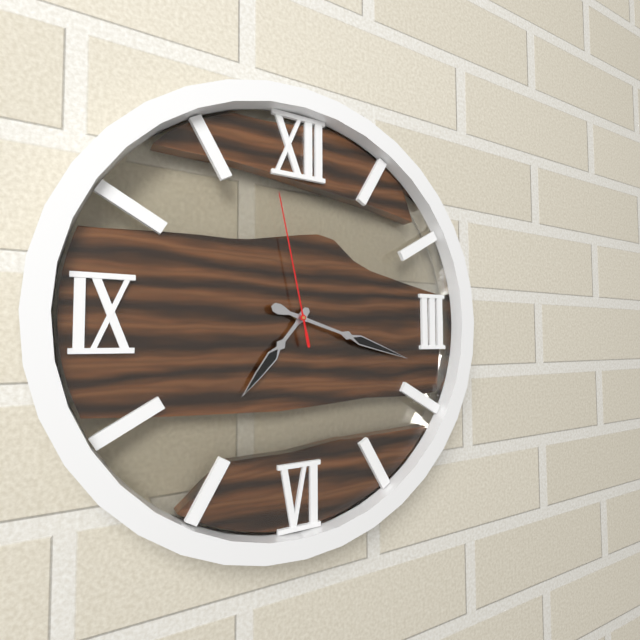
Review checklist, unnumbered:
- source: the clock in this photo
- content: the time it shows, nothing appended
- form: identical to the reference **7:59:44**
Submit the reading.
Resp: **7:18:58**
